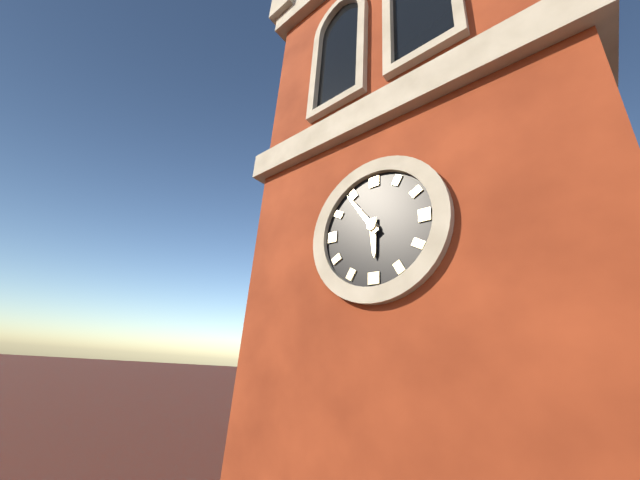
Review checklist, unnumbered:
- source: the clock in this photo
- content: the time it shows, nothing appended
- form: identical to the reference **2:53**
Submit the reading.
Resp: **5:54**
